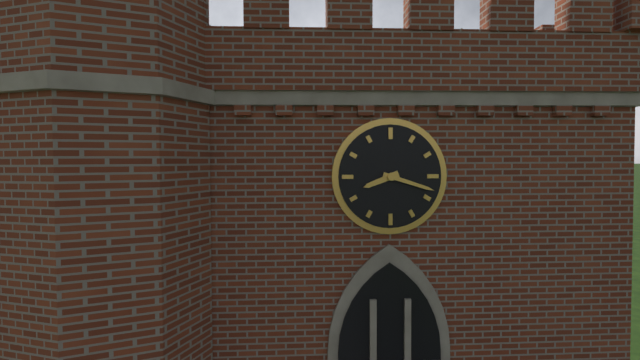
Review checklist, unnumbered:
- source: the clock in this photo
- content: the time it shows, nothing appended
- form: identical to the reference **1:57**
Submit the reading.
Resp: **8:18**
